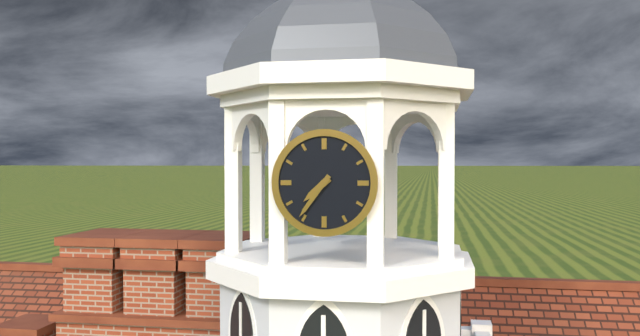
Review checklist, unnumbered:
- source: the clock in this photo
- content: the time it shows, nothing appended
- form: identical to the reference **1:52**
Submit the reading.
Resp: **7:36**
